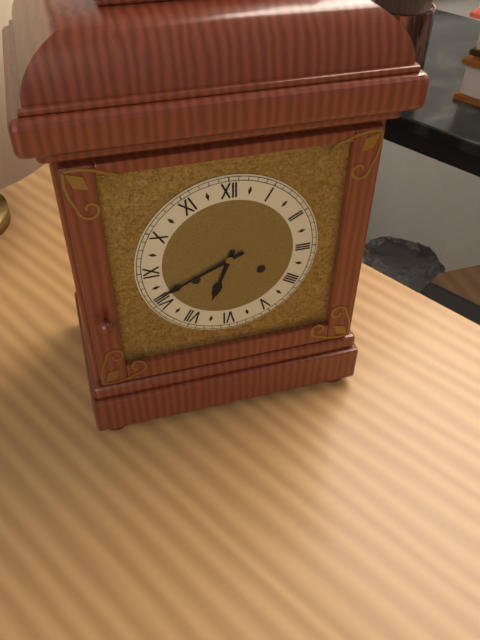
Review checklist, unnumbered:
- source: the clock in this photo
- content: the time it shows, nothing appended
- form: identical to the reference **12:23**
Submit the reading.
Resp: **6:41**
